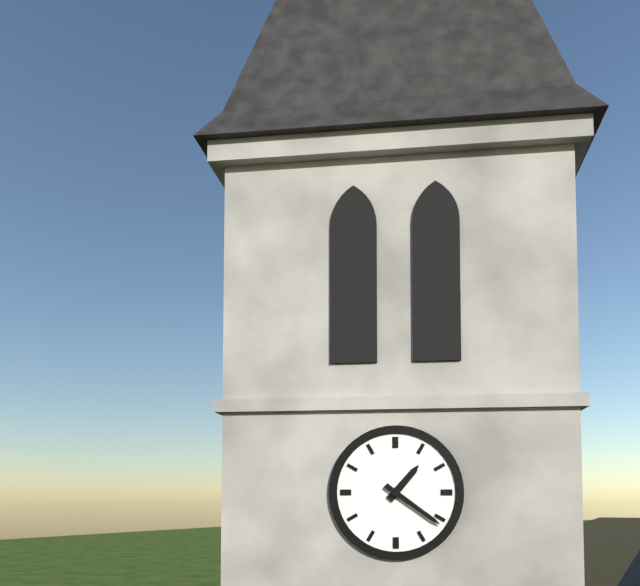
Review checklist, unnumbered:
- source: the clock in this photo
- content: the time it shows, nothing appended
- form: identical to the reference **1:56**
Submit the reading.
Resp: **1:21**
